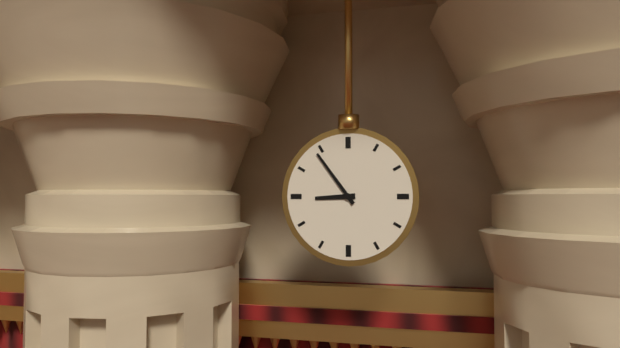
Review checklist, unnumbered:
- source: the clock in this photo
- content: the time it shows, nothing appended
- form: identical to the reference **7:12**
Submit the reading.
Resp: **8:54**
